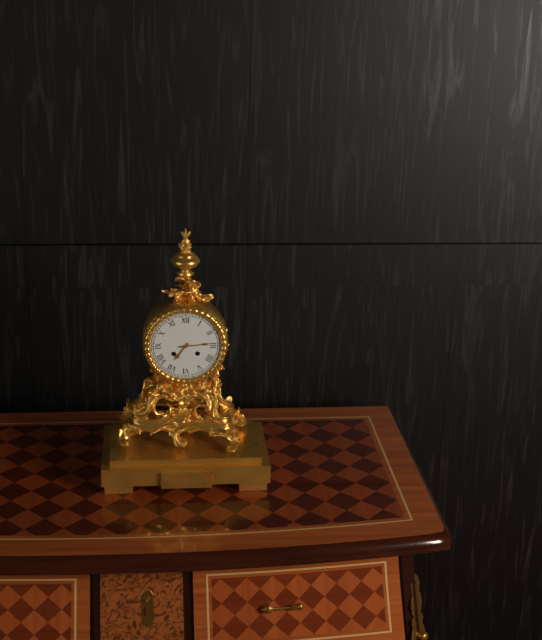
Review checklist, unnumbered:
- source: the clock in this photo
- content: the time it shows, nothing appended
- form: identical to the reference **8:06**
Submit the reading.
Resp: **7:14**
